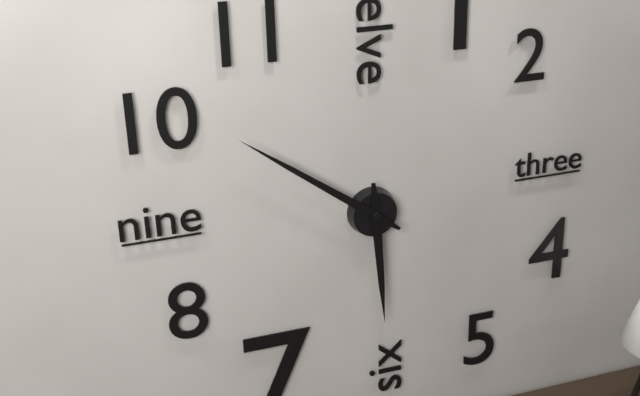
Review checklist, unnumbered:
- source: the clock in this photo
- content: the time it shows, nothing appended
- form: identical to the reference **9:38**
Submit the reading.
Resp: **5:51**
